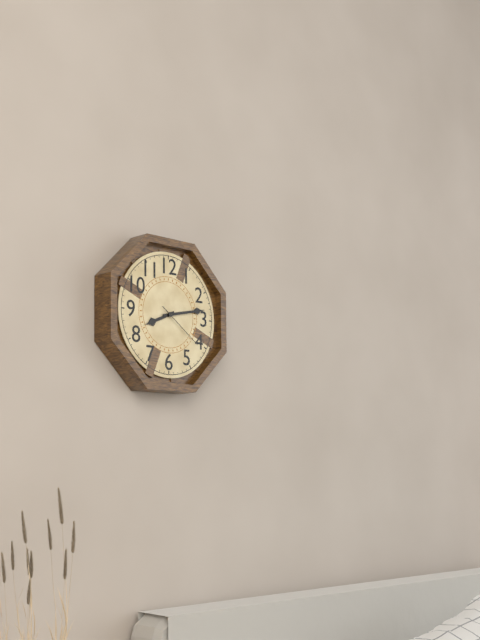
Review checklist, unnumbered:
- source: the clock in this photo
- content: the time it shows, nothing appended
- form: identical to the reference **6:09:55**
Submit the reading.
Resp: **8:13:21**
